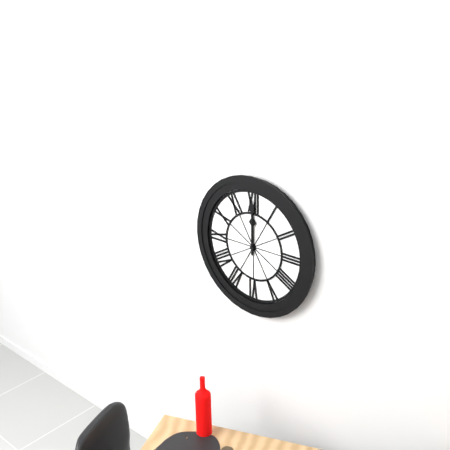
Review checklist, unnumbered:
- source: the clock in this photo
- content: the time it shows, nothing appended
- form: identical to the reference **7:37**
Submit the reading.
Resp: **12:00**
